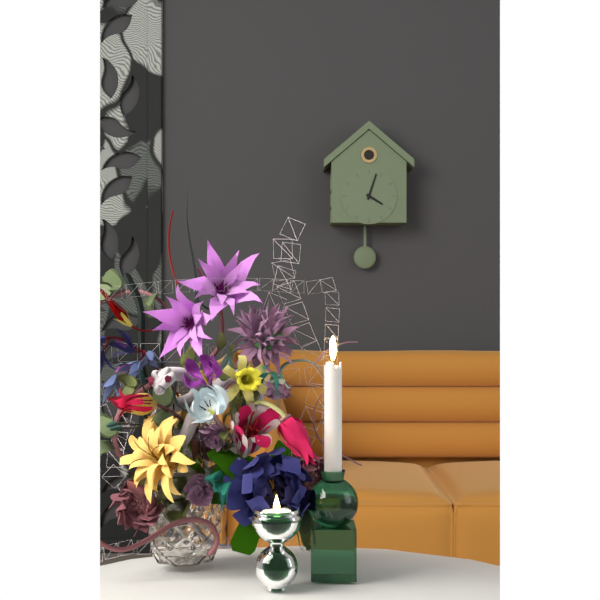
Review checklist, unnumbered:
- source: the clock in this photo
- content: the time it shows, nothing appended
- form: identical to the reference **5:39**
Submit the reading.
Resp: **4:03**
